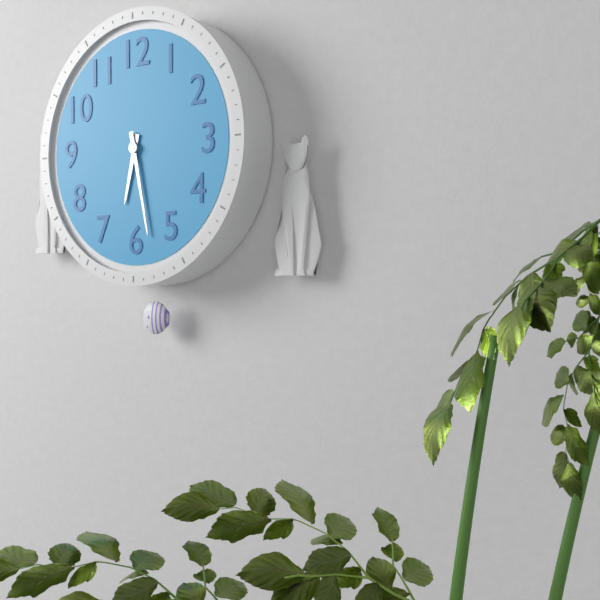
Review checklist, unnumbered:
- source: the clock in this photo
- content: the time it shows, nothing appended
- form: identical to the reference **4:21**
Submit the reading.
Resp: **6:28**
